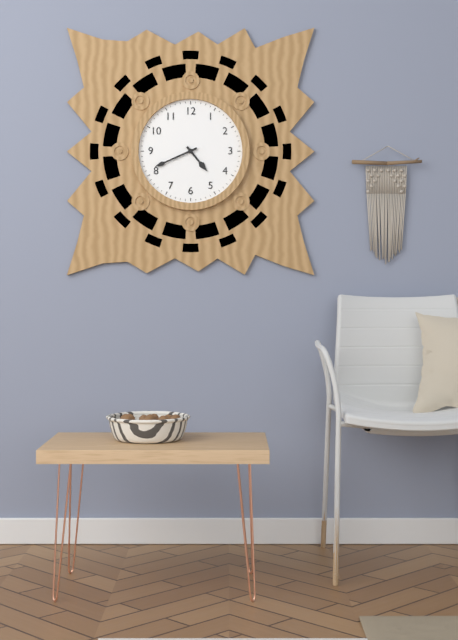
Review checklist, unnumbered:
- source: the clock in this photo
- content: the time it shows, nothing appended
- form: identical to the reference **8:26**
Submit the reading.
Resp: **4:41**
